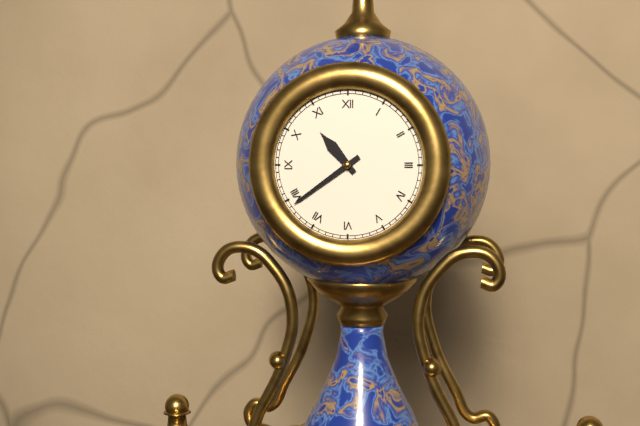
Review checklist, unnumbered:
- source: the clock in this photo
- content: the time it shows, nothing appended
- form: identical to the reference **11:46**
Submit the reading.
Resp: **10:39**
